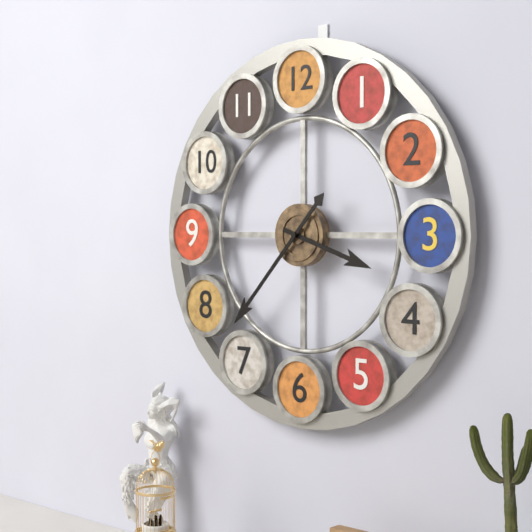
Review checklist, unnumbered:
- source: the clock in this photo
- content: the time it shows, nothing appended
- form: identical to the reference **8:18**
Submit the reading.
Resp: **3:37**
